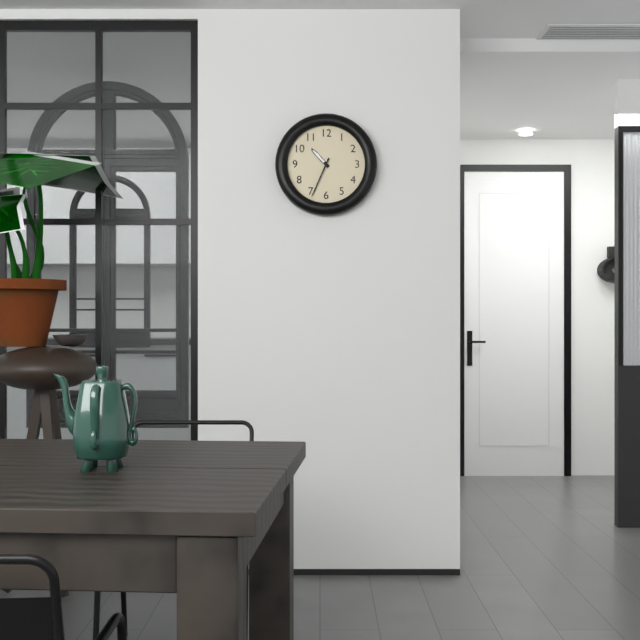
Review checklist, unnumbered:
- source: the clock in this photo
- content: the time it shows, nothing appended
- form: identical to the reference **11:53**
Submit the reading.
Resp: **10:34**
